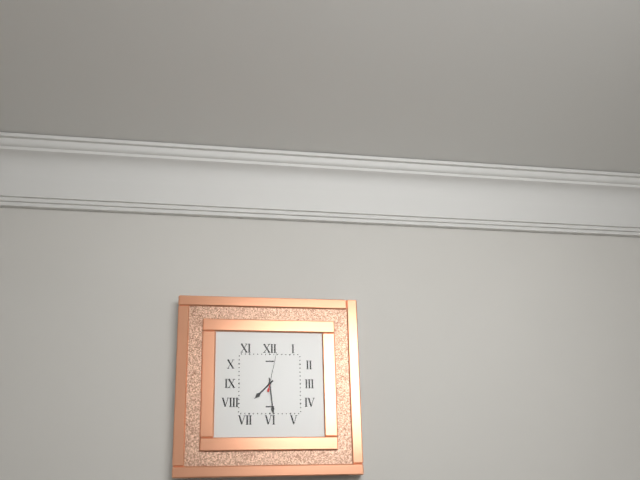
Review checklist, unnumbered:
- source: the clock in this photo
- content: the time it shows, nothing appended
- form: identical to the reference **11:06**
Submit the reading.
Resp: **7:29**
